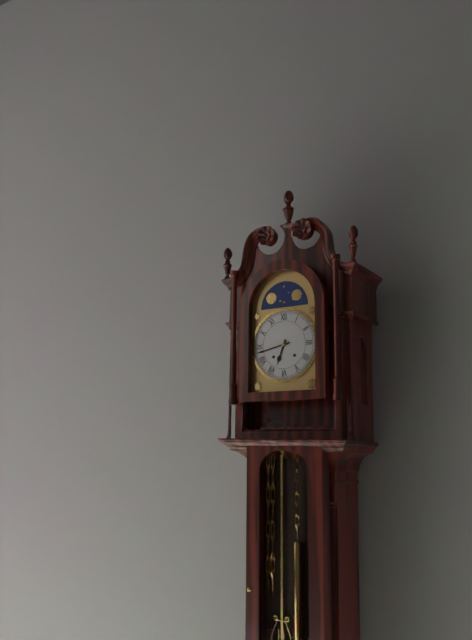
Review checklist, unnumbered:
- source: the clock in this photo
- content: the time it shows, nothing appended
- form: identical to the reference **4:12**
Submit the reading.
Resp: **6:43**
